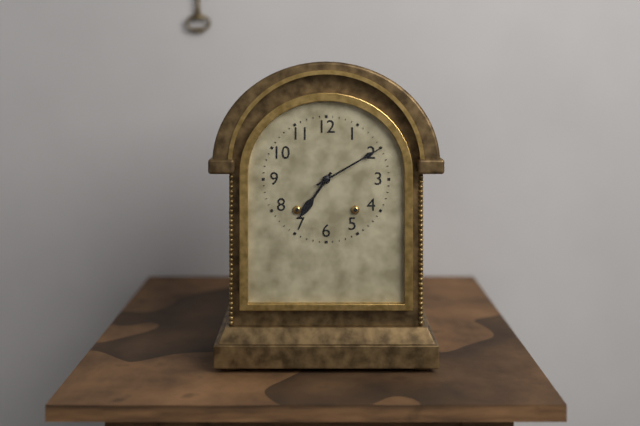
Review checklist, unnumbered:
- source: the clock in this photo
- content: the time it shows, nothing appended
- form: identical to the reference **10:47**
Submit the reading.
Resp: **7:10**
